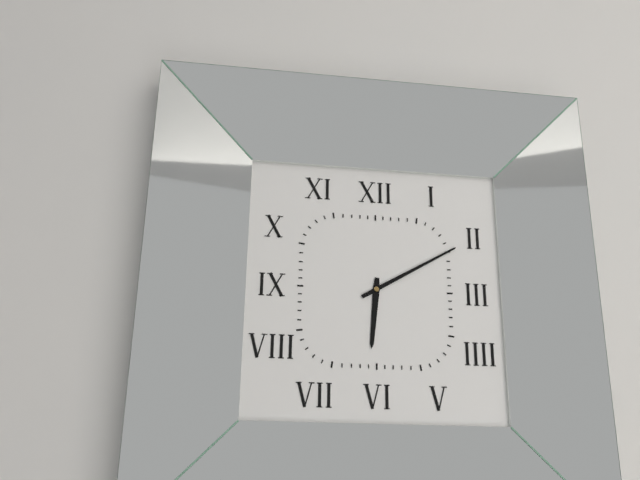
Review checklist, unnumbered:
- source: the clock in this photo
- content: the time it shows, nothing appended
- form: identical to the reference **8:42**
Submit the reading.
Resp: **6:10**
